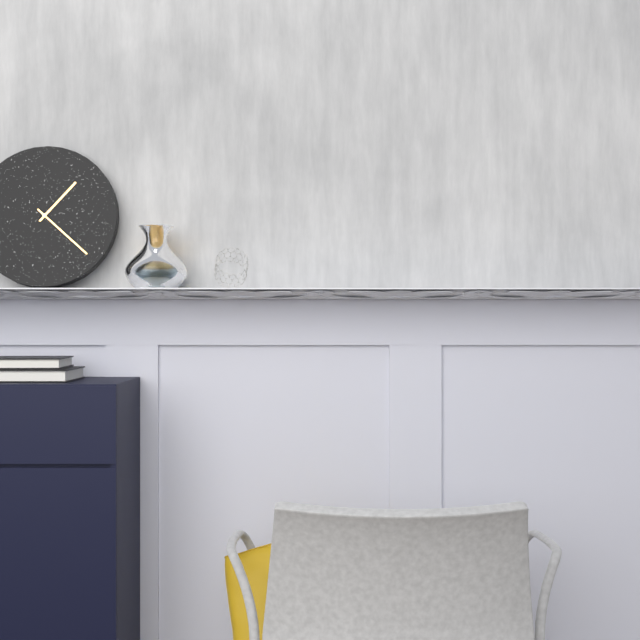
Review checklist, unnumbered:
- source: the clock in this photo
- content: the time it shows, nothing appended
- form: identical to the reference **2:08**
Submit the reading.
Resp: **1:22**
